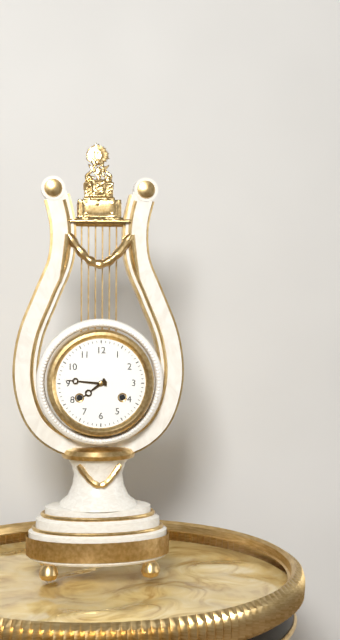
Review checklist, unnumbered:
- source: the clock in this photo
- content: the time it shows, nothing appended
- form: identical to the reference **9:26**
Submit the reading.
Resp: **7:46**
